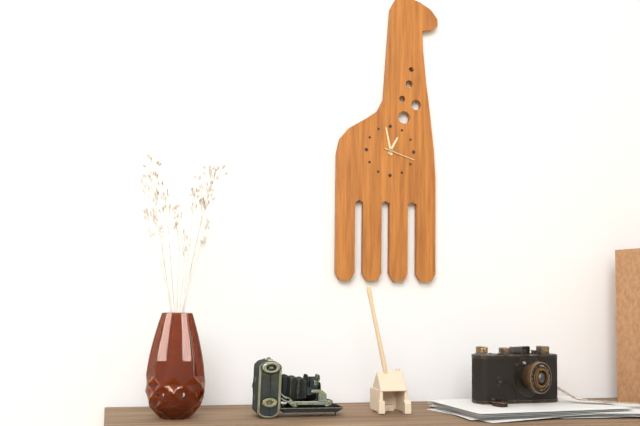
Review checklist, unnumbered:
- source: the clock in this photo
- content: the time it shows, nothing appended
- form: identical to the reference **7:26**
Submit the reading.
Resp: **12:58**
